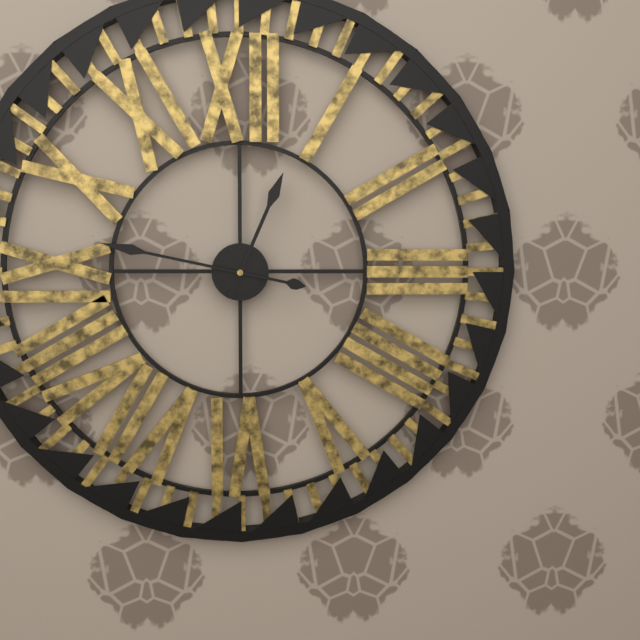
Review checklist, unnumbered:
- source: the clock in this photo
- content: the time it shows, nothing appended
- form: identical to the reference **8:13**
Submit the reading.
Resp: **12:47**
